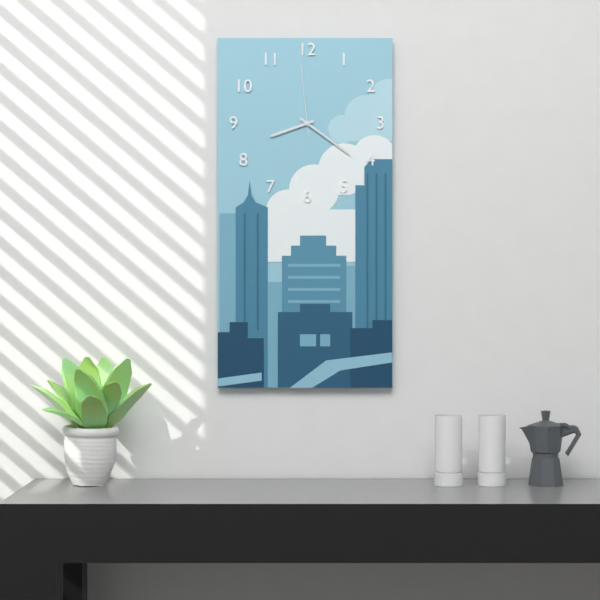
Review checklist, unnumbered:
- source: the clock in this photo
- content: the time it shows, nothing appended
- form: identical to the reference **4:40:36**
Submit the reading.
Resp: **8:21:59**
